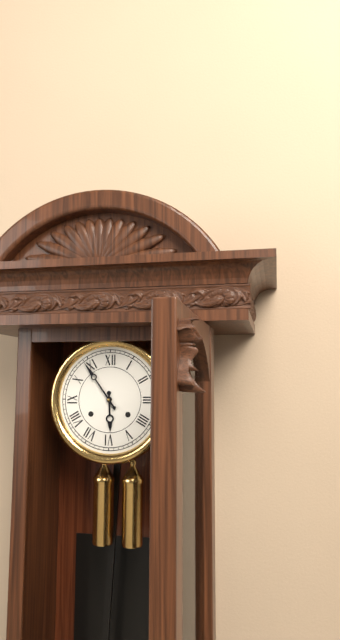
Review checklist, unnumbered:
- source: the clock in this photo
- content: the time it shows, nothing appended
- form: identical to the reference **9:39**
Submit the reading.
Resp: **5:54**
